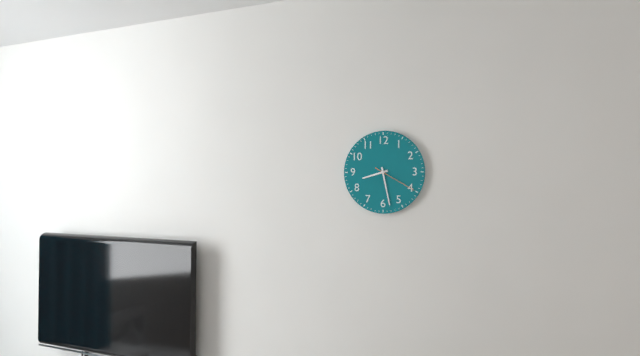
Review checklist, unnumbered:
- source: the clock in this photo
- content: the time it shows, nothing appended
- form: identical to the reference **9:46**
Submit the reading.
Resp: **8:28**
